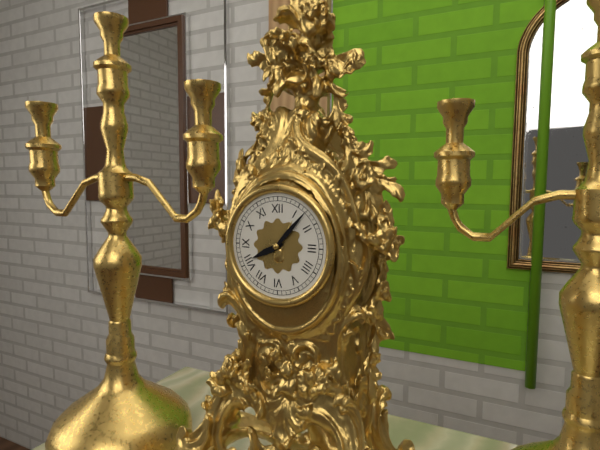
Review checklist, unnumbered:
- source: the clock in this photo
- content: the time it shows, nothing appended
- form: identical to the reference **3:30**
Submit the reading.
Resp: **8:07**
